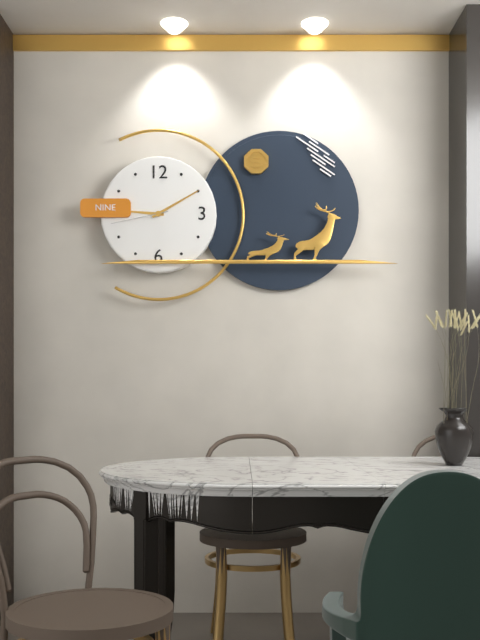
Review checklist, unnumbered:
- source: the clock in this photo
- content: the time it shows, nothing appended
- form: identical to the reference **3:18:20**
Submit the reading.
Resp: **9:10:43**
